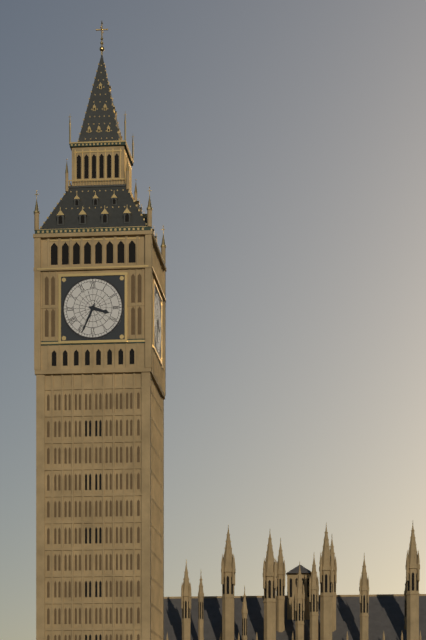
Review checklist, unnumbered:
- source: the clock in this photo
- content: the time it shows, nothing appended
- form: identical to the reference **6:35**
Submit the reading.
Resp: **3:34**
